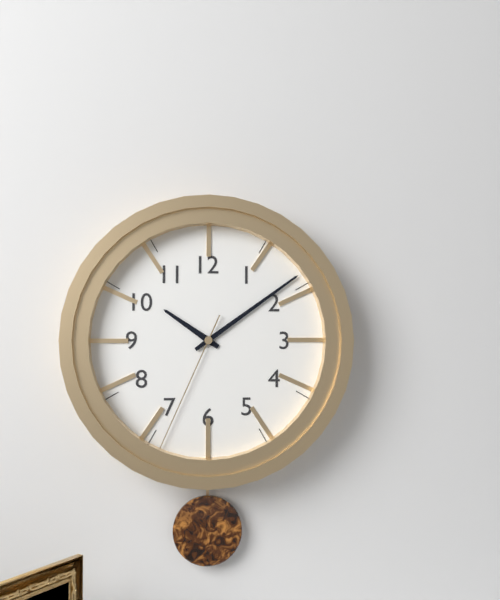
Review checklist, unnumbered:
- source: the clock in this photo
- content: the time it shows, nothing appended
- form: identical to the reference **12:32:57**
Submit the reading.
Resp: **10:09:34**
